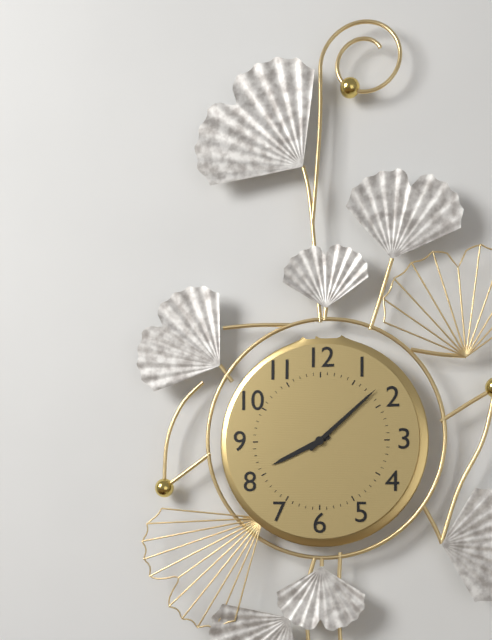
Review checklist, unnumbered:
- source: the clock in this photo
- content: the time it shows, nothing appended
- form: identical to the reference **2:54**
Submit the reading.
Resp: **8:08**
